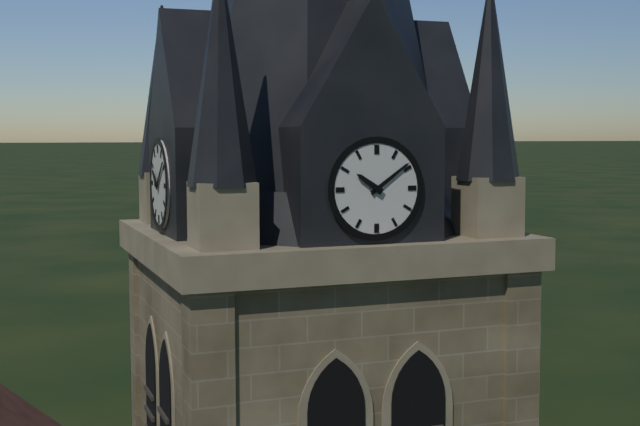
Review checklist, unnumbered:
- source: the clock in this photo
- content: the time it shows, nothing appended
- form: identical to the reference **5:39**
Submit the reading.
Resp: **10:09**
